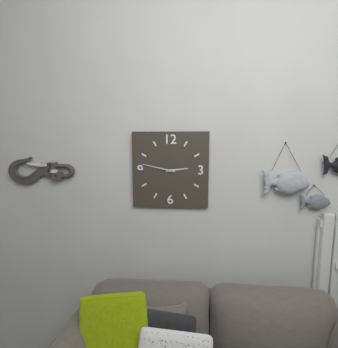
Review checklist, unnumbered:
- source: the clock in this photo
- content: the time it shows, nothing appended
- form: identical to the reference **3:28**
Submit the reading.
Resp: **2:47**
